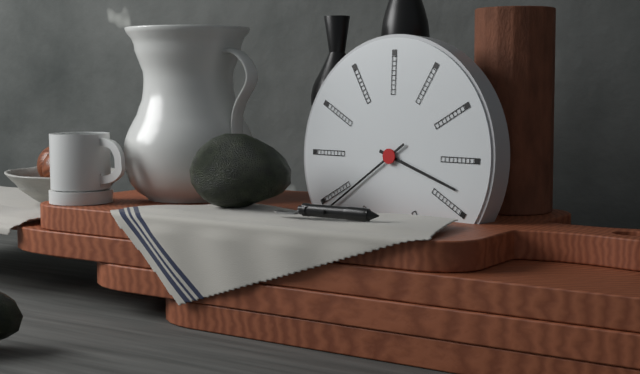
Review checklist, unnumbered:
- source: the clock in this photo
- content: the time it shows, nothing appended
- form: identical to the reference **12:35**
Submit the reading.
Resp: **3:39**
